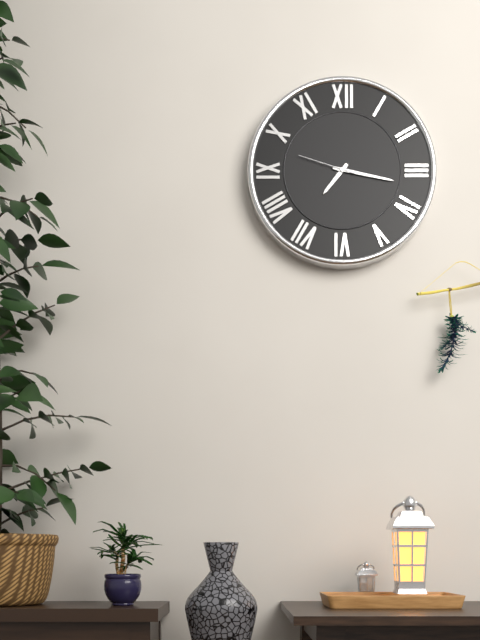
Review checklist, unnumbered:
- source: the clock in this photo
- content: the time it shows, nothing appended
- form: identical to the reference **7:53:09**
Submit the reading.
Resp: **7:17:48**
